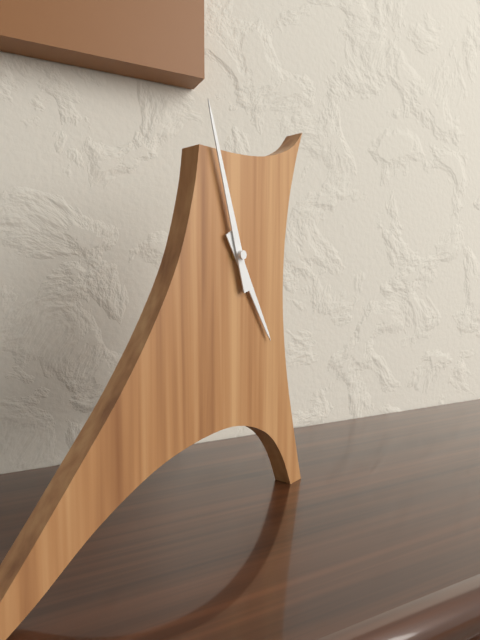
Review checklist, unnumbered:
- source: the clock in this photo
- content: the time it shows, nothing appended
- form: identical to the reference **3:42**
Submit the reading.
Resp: **4:57**
